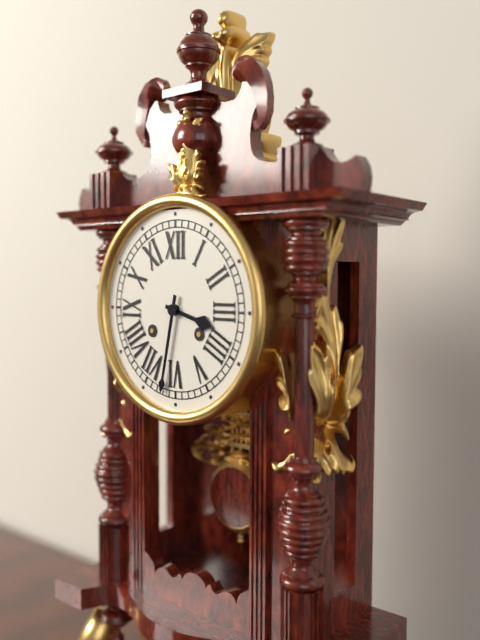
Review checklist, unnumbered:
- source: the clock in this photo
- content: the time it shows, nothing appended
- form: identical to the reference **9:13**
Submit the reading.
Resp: **3:32**
